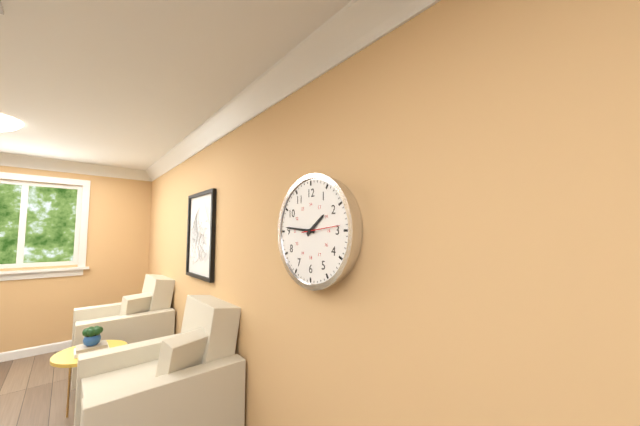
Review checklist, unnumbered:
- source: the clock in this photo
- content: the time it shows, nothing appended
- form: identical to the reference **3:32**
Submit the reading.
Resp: **1:46**
